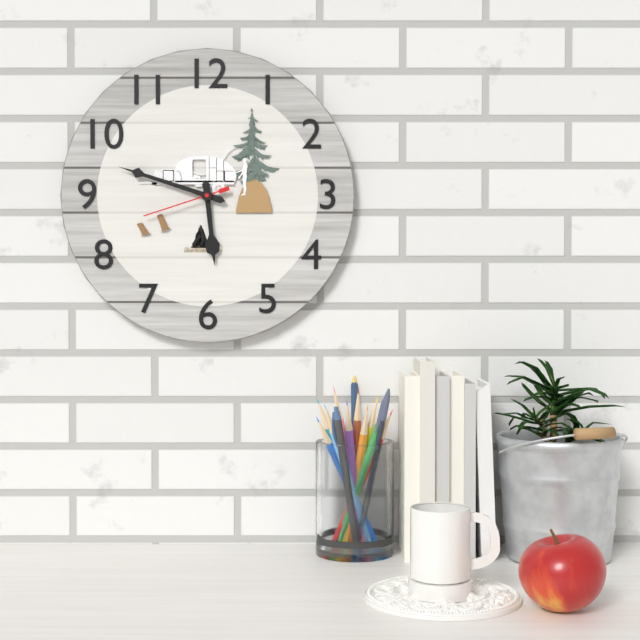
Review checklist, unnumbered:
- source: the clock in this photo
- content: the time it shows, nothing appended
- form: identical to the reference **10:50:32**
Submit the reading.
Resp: **5:48:42**
